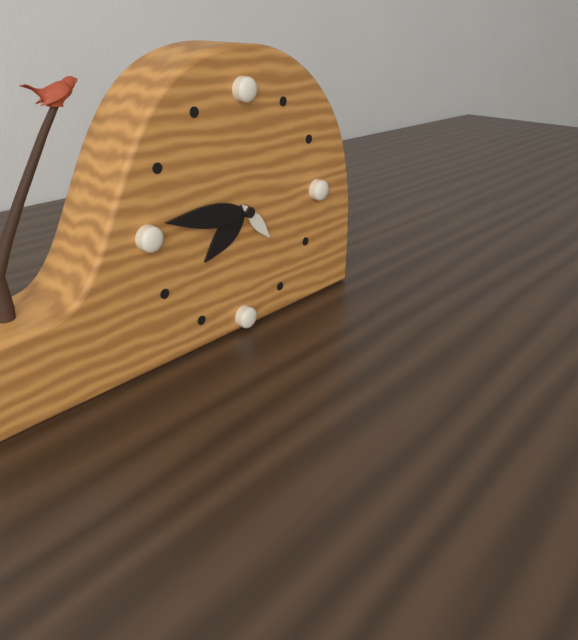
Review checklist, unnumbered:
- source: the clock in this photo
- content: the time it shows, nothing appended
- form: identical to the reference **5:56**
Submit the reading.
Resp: **7:46**
